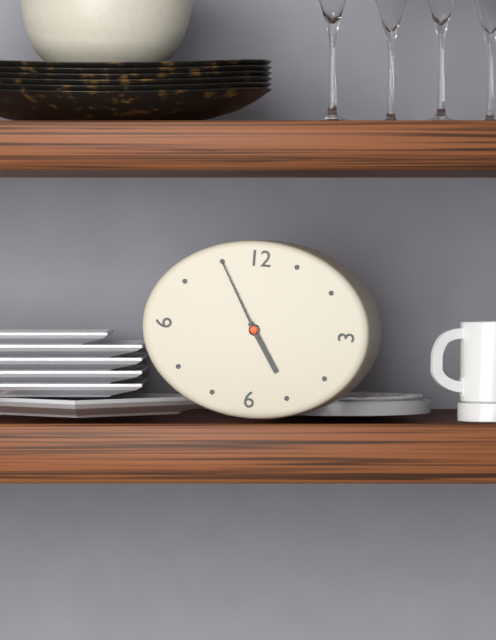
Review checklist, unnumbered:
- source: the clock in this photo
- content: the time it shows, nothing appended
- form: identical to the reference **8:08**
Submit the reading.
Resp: **4:55**
